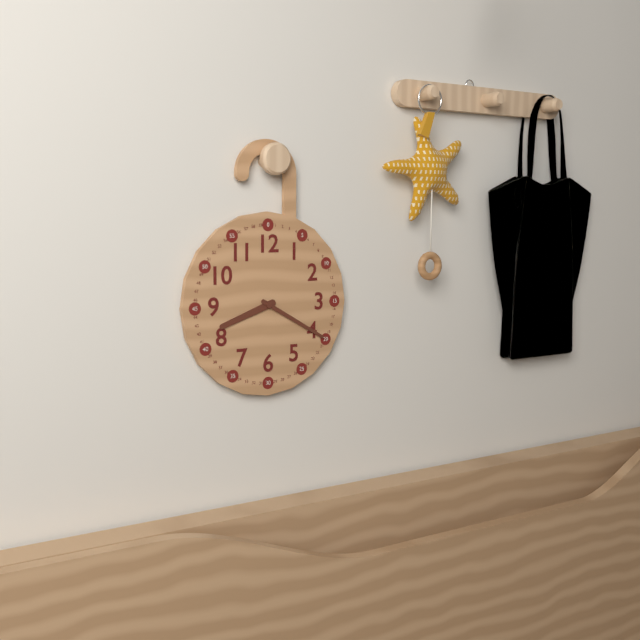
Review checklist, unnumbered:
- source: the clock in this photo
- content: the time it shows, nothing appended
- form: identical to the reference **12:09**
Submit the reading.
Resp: **8:20**
